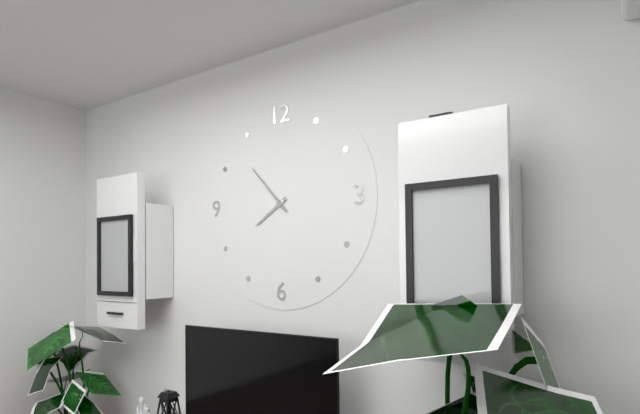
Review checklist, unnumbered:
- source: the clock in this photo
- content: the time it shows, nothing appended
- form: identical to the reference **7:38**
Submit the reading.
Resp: **7:53**
